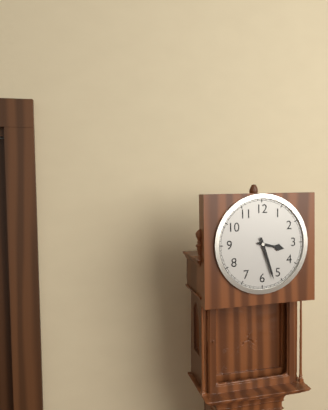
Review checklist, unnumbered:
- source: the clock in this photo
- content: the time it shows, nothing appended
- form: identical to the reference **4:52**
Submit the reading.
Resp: **3:27**
